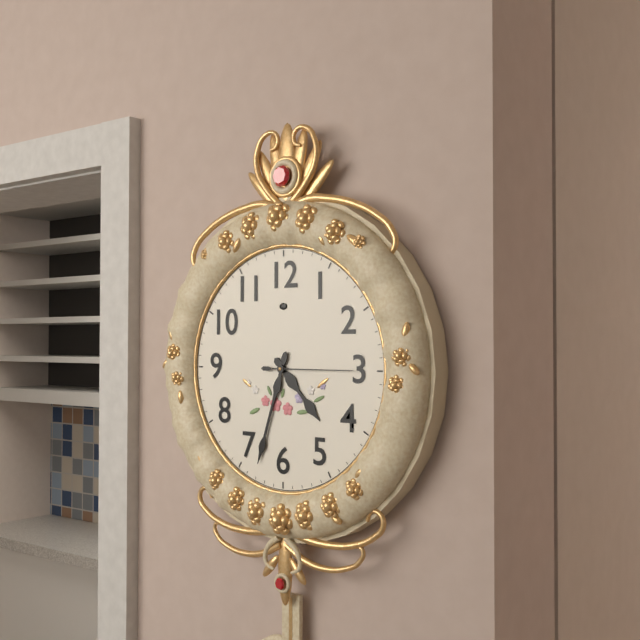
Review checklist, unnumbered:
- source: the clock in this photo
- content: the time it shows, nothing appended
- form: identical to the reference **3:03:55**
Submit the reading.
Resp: **4:33:15**
